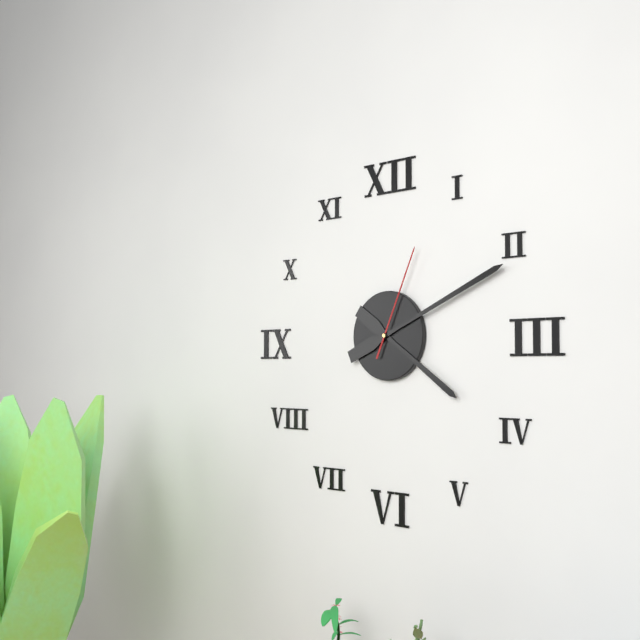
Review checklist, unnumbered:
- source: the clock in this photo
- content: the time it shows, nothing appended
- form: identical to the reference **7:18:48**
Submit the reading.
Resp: **4:11:04**
